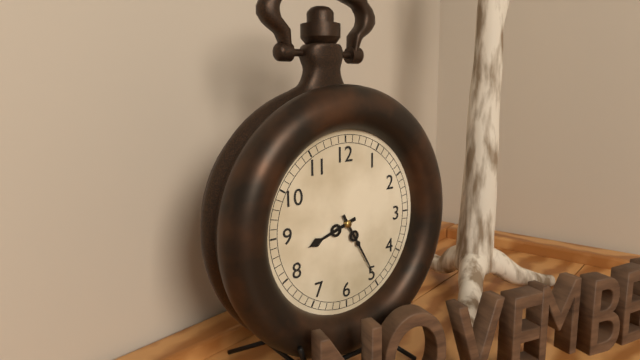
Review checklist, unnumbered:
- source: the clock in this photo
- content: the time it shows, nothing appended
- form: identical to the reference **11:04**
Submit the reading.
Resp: **8:25**
